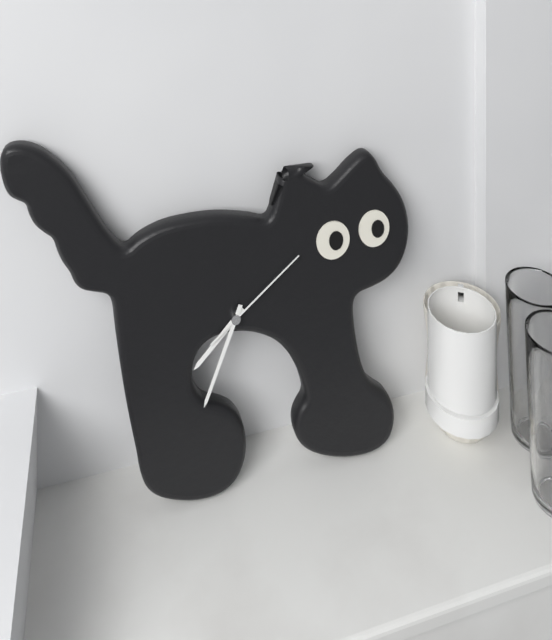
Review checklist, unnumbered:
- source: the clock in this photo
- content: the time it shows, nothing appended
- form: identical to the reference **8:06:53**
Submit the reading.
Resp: **7:34:09**
